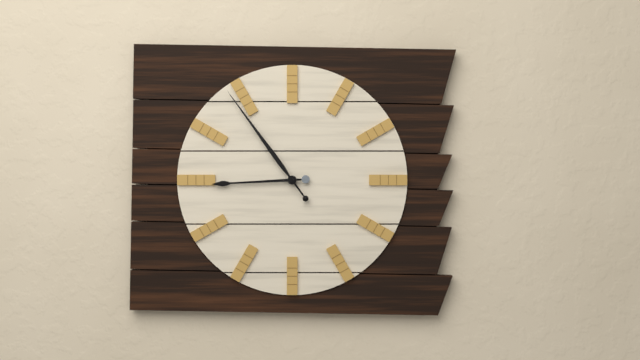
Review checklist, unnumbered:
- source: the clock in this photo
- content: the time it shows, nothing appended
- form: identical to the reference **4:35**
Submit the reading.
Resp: **8:54**
